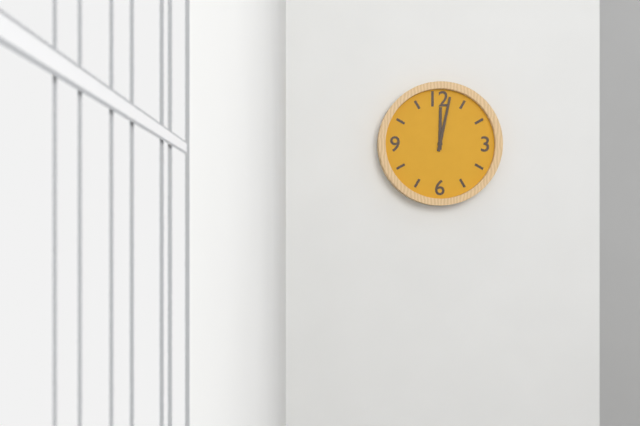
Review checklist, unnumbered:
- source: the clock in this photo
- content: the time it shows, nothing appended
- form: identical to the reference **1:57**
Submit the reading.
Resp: **12:02**
